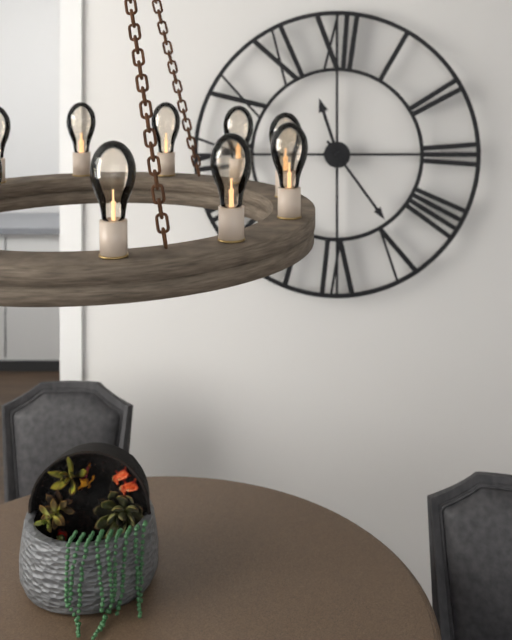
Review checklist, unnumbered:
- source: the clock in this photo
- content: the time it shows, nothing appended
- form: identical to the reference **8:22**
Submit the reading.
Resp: **11:24**
